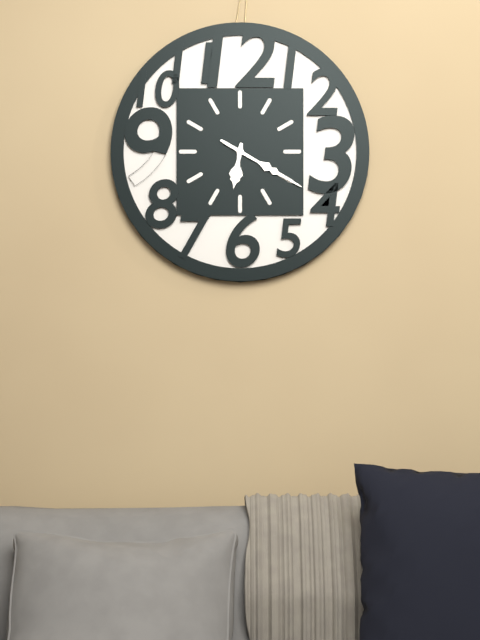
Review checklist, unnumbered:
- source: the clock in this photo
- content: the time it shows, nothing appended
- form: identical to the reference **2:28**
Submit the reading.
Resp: **6:20**
